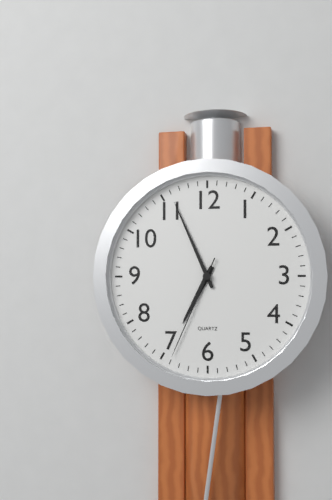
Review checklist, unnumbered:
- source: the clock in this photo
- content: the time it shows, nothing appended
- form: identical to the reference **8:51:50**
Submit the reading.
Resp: **6:56:34**
